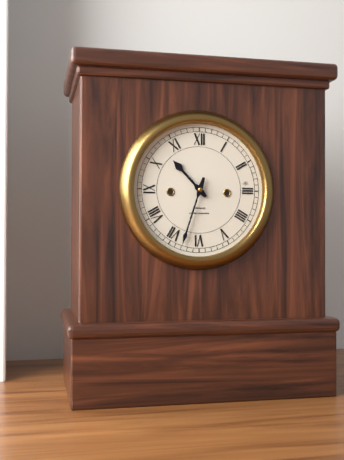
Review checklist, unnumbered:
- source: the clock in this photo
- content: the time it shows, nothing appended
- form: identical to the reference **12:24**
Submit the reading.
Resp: **10:33**
